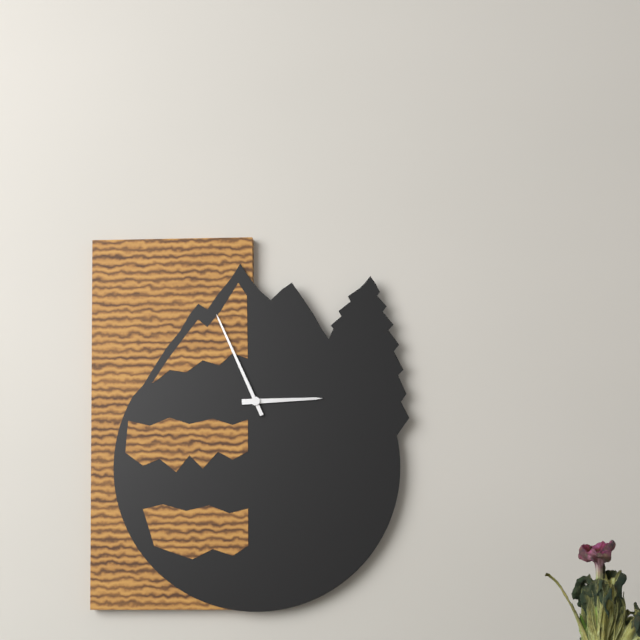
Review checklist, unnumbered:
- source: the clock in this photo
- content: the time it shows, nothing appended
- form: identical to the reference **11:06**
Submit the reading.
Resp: **2:56**
